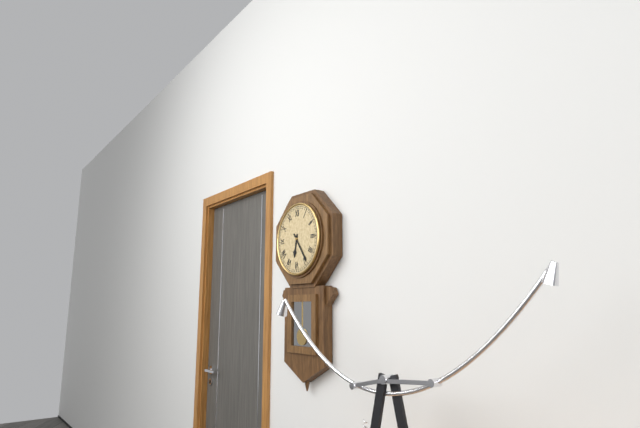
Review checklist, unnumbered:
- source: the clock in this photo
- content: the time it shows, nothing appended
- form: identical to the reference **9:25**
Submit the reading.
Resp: **6:24**
